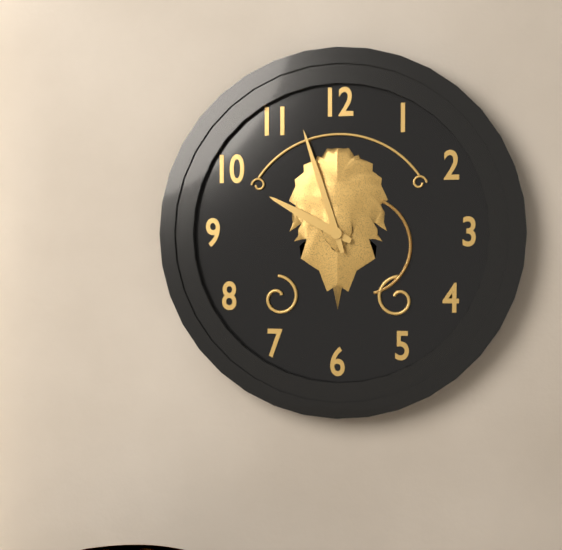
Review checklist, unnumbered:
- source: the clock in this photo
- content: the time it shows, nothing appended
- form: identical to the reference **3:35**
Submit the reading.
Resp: **9:57**
